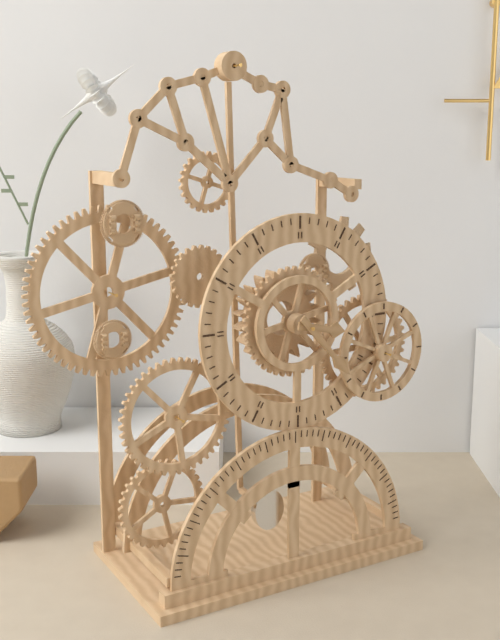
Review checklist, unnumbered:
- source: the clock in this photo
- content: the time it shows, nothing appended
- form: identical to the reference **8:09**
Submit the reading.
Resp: **3:23**
